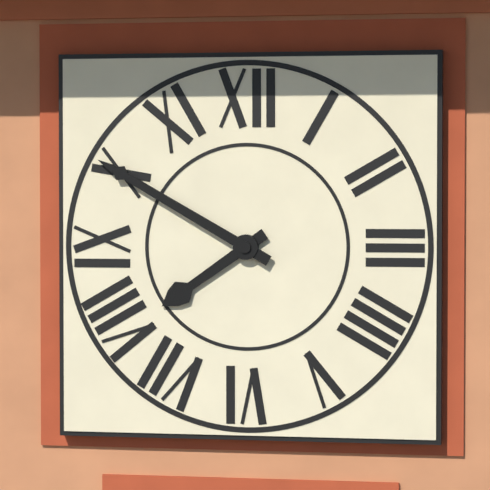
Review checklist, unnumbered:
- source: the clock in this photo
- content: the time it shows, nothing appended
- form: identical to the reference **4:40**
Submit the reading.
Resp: **7:50**
